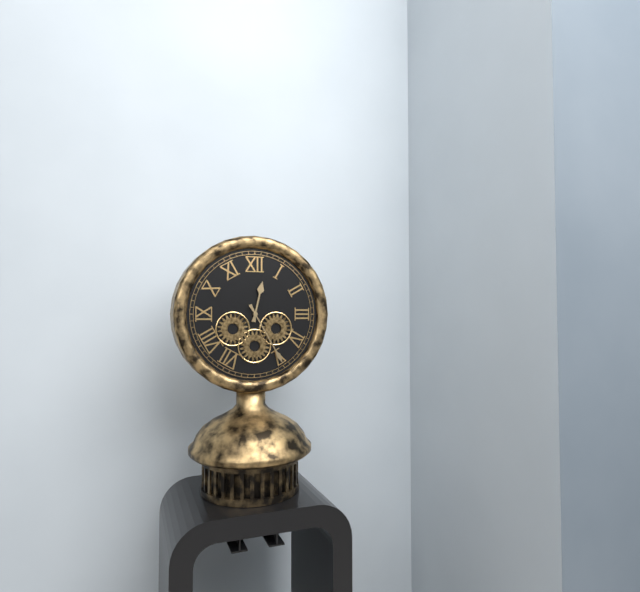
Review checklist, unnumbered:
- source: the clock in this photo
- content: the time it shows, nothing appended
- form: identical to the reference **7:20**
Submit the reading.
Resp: **12:25**
